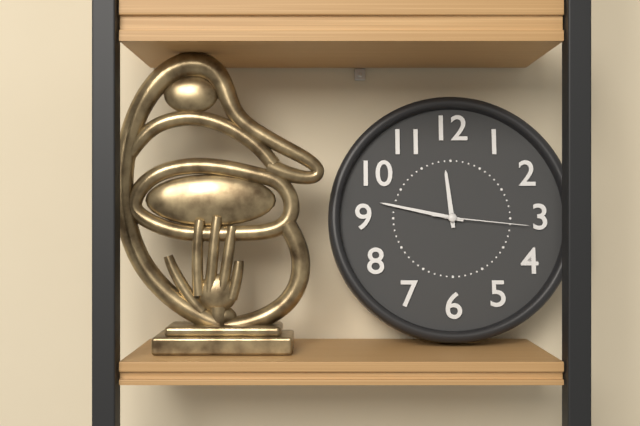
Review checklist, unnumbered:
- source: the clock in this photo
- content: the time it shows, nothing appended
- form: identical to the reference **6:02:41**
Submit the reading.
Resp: **11:47:16**
